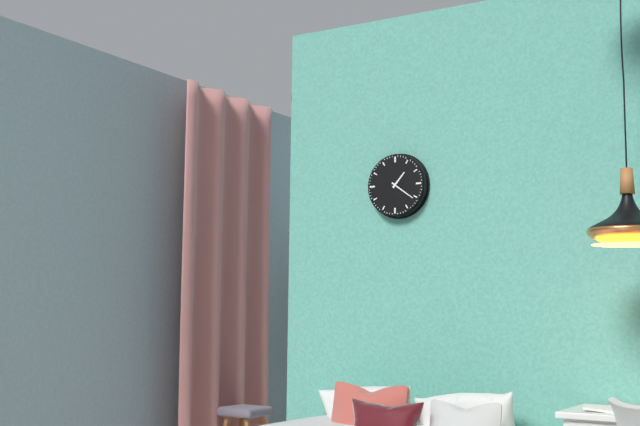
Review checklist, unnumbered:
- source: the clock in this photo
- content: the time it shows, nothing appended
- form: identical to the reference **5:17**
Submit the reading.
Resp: **1:21**
